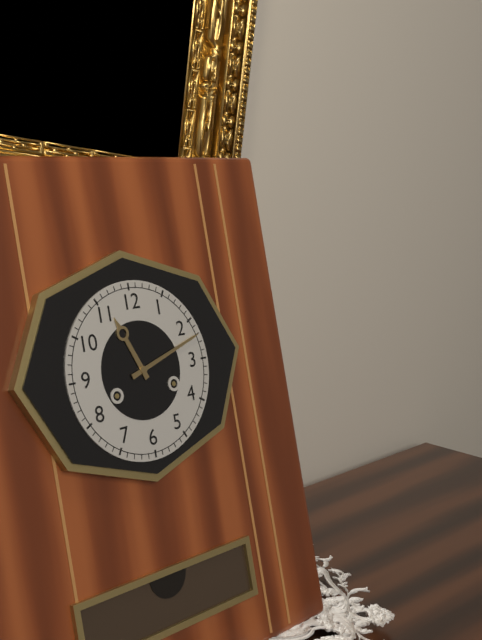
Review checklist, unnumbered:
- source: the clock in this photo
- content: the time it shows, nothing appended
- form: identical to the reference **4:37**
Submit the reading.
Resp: **11:12**
